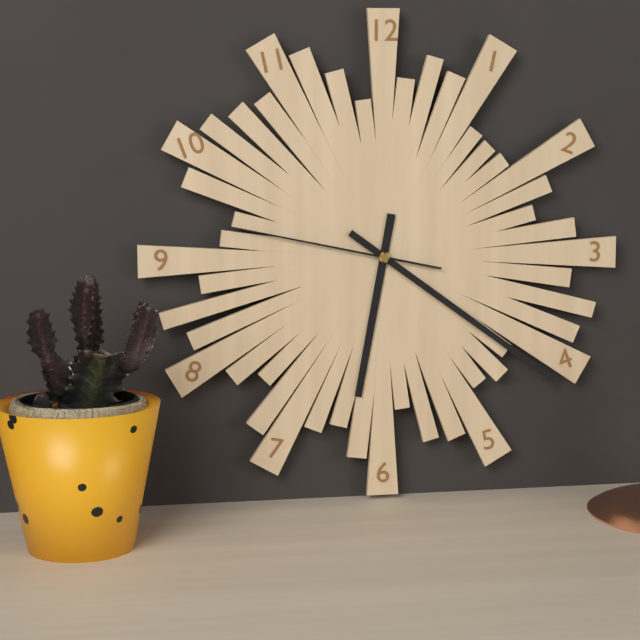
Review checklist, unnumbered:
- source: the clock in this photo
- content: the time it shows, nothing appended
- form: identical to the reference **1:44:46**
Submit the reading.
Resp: **6:21:47**
